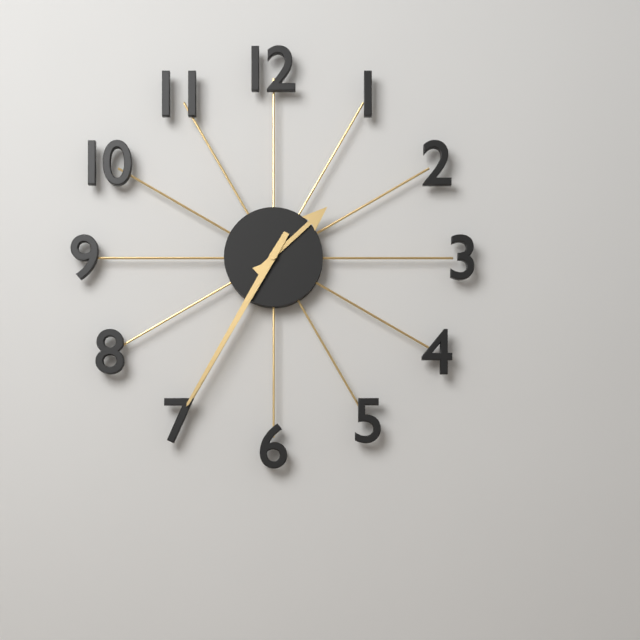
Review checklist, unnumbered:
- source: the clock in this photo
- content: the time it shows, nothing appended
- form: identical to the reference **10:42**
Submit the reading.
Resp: **1:35**
